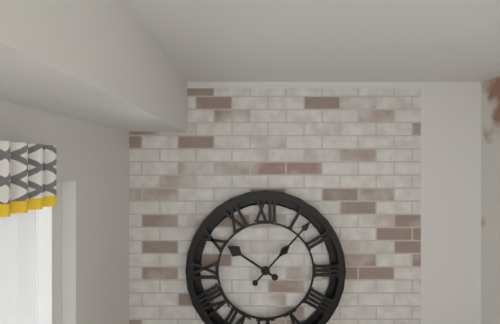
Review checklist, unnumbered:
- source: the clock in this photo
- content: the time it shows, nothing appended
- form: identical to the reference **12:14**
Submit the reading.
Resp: **10:07**
